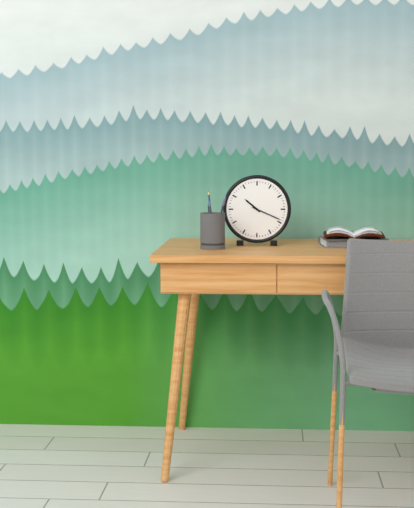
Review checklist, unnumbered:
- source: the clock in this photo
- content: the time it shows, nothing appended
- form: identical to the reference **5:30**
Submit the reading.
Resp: **10:19**
